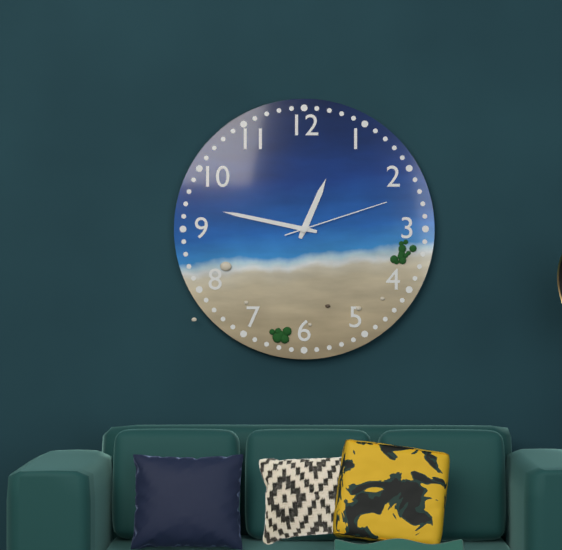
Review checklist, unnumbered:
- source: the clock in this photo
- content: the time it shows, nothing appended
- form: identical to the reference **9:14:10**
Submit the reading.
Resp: **12:47:12**
